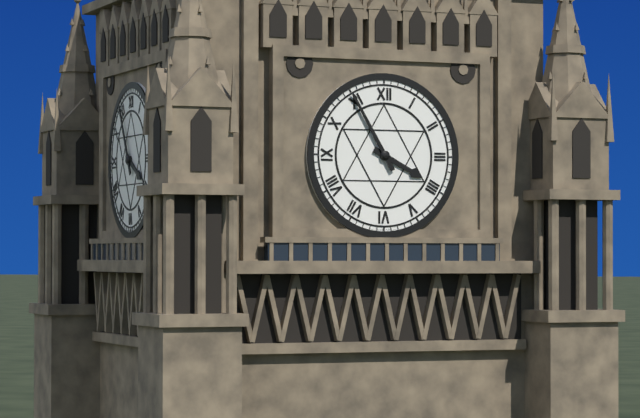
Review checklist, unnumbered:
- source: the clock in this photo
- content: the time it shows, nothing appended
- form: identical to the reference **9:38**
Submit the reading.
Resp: **3:55**
